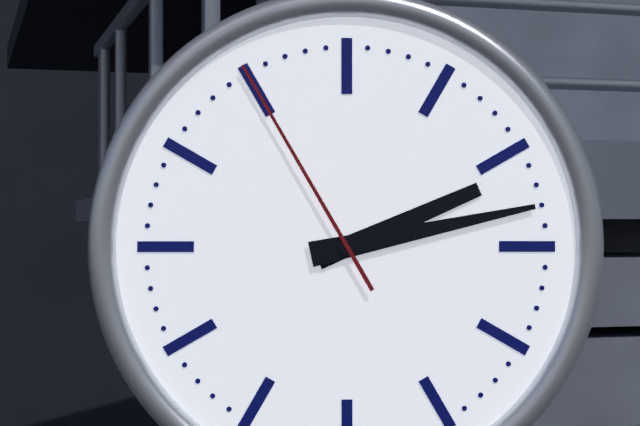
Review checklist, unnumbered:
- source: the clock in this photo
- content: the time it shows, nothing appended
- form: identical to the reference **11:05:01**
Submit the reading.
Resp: **2:13:55**
